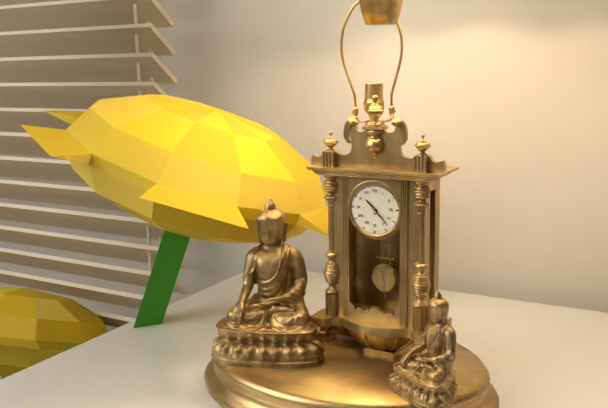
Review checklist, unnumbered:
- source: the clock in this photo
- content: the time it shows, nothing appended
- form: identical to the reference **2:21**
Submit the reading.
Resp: **10:23**
